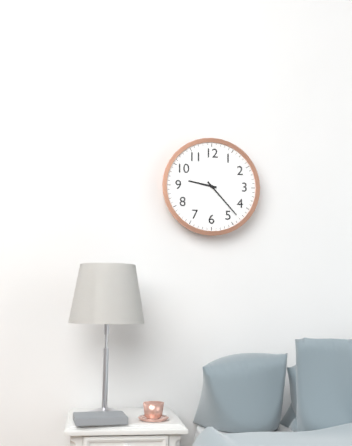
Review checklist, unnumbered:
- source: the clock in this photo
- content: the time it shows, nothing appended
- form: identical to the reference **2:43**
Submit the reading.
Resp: **9:23**
